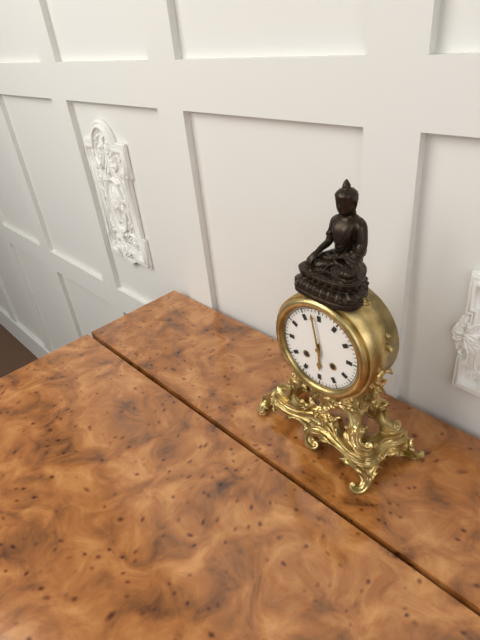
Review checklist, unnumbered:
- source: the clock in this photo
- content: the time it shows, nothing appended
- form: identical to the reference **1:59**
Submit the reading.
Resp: **5:58**
